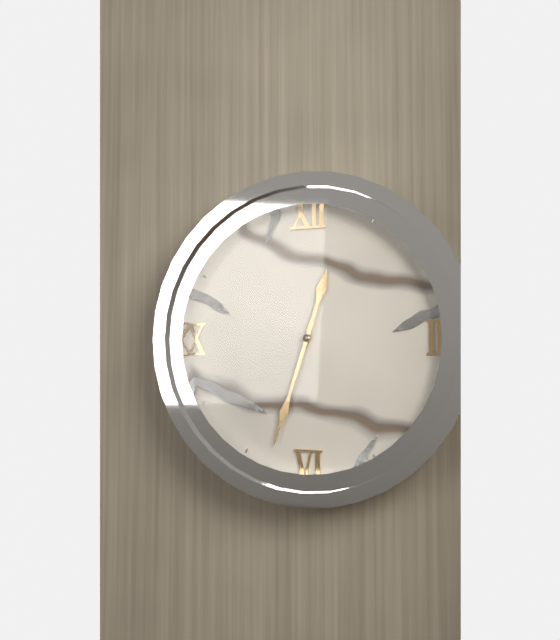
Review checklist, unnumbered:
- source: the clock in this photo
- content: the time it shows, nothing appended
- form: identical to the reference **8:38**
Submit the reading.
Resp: **12:33**
